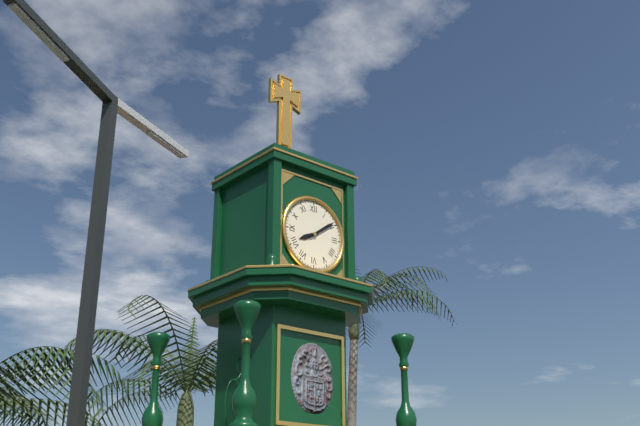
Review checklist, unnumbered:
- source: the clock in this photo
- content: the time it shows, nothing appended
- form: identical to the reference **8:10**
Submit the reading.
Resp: **8:09**
